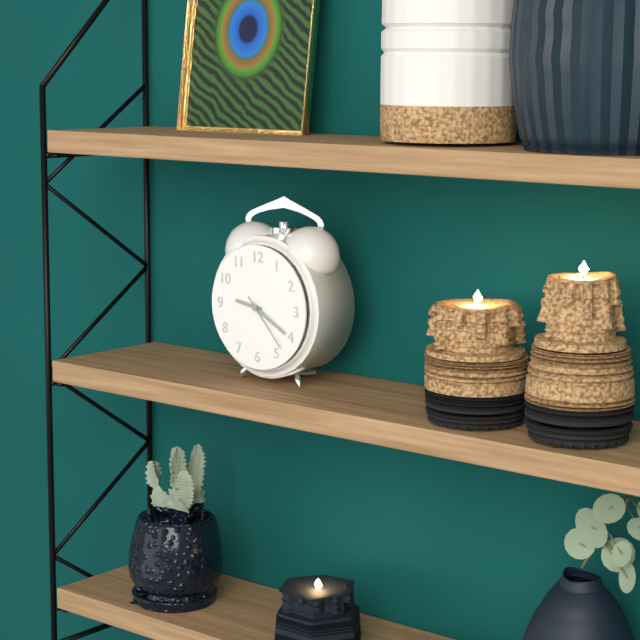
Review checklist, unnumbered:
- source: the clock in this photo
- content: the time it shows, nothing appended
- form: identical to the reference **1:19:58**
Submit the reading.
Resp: **9:20:23**
